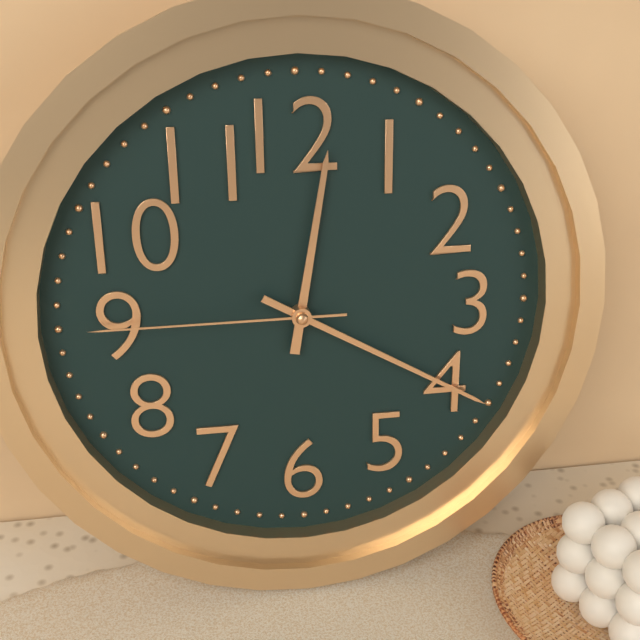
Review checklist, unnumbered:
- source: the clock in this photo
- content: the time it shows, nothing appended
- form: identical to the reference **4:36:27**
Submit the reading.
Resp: **12:20:45**
